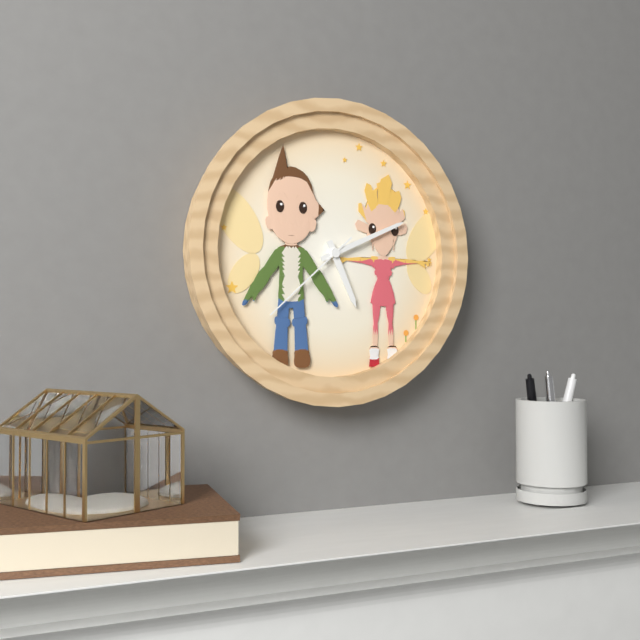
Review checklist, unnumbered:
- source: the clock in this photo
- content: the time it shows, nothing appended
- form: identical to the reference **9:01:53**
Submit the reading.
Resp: **5:11:38**
